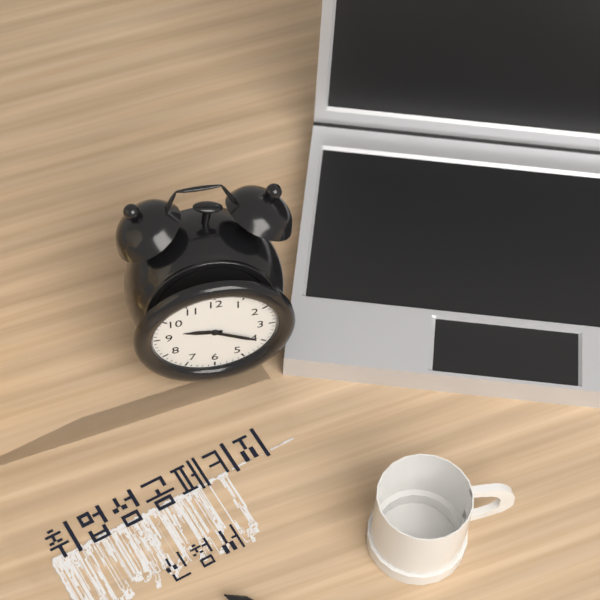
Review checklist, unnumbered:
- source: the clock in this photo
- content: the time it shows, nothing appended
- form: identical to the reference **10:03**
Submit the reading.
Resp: **9:20**
